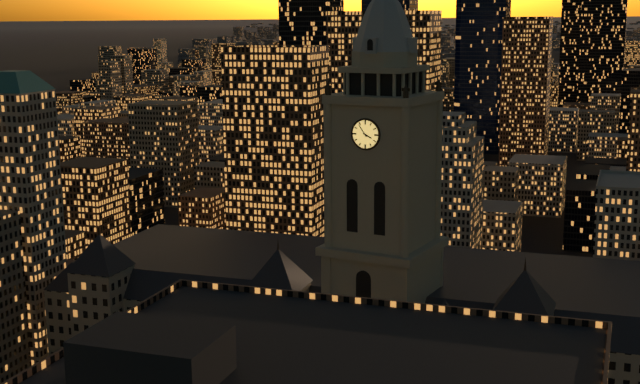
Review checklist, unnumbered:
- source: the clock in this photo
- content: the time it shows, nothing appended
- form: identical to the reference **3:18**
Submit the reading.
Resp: **3:54**
